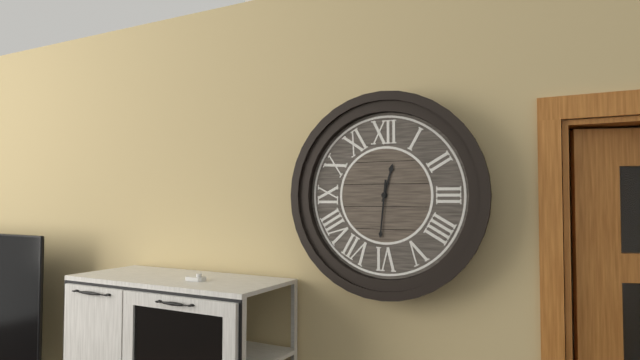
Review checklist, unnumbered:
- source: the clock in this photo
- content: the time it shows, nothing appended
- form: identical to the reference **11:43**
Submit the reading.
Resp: **12:31**
